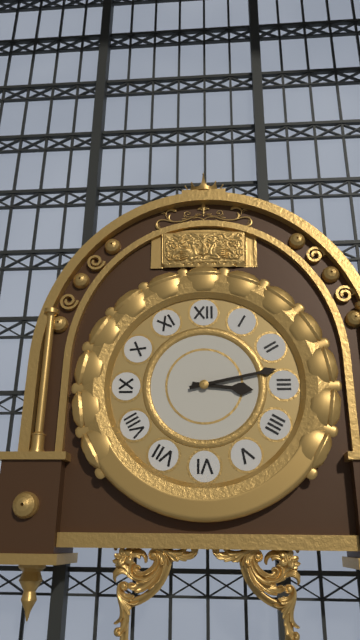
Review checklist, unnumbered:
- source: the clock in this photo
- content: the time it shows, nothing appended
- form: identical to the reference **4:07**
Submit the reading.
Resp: **3:13**
